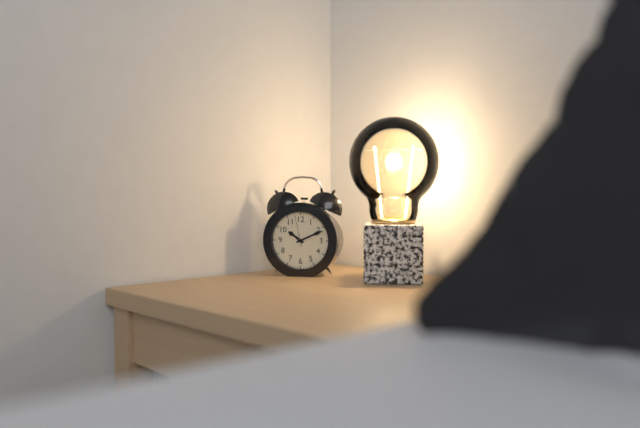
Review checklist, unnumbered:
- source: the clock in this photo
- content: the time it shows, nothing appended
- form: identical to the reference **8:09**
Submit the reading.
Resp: **10:11**
